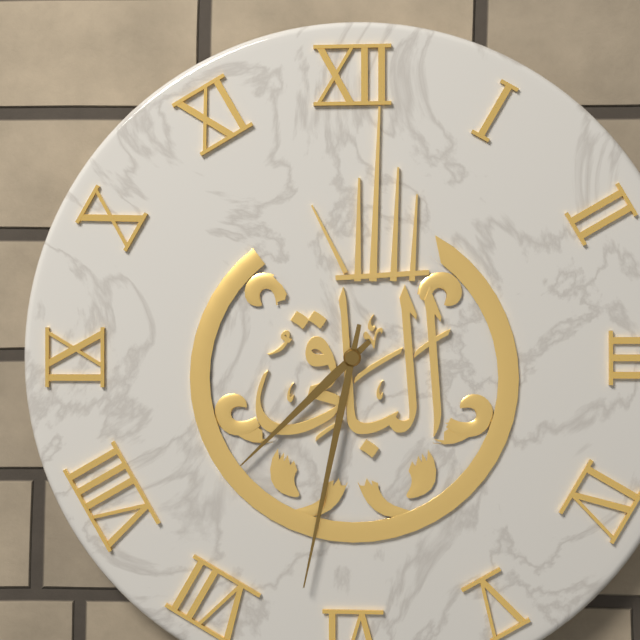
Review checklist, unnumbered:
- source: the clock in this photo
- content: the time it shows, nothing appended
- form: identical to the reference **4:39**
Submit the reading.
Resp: **7:32**
